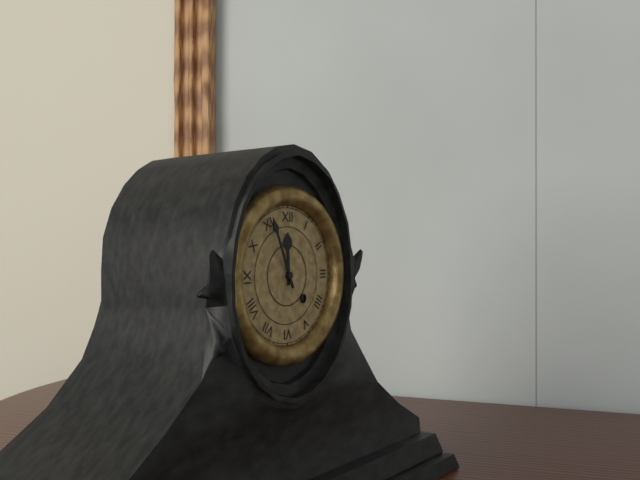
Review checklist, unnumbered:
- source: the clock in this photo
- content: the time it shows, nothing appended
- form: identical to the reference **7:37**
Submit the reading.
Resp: **11:56**
